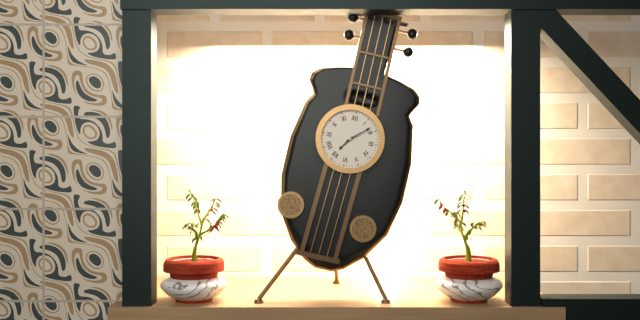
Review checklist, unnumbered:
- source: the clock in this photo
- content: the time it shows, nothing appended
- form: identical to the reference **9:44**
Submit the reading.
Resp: **7:08**
